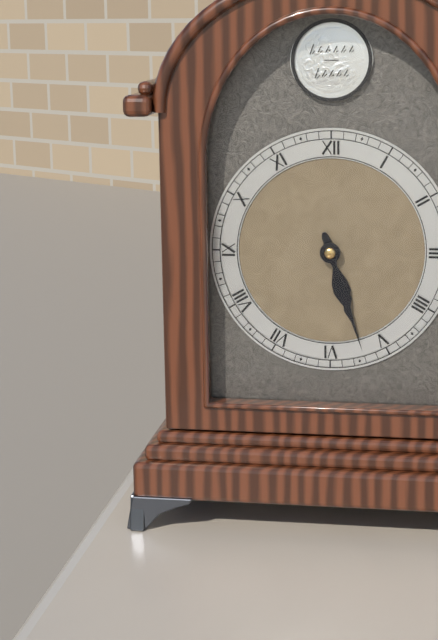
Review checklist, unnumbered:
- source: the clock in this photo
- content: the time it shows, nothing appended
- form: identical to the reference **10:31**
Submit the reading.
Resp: **5:27**
